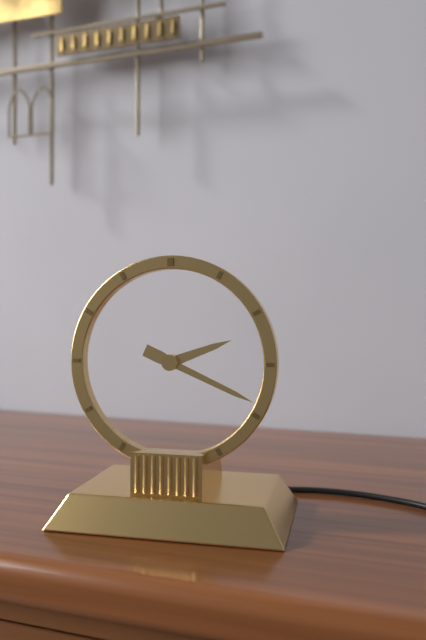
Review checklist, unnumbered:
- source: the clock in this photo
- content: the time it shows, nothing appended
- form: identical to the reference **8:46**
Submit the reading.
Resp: **2:19**
